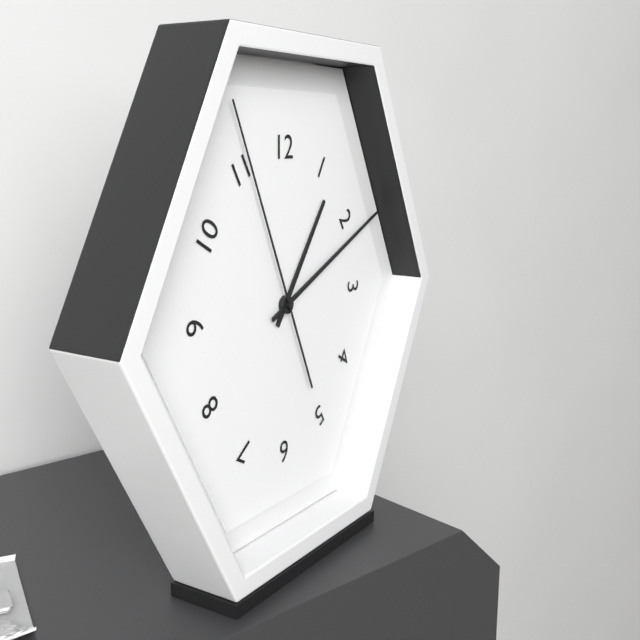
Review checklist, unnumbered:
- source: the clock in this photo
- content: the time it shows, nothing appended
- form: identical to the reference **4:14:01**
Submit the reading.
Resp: **1:11:56**
